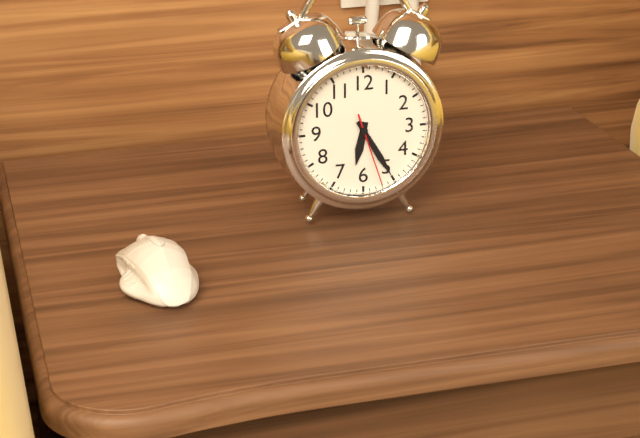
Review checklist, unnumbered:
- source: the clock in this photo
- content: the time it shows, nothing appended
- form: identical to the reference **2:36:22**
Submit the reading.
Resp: **6:25:27**
